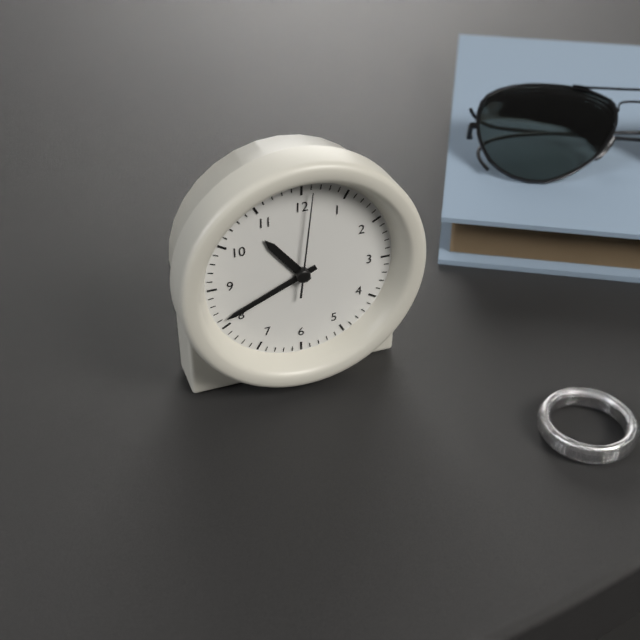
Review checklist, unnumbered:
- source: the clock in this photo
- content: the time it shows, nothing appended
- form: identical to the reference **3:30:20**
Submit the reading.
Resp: **10:41:01**
